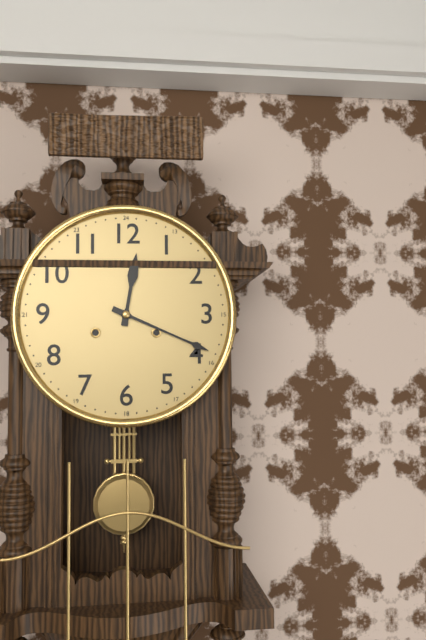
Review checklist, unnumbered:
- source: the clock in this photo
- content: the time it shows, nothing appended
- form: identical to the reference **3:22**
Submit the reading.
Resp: **12:19**
